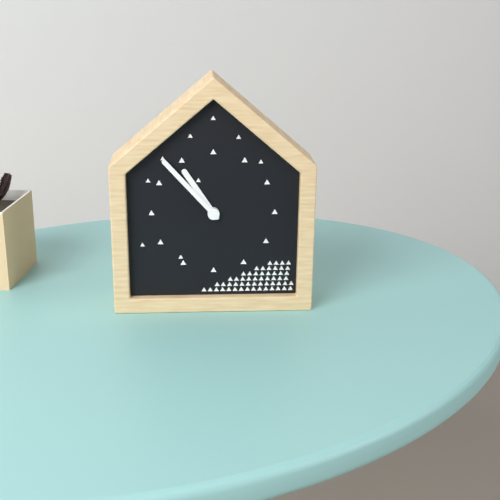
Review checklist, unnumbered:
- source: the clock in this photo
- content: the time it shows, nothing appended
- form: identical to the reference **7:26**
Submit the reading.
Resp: **10:53**
